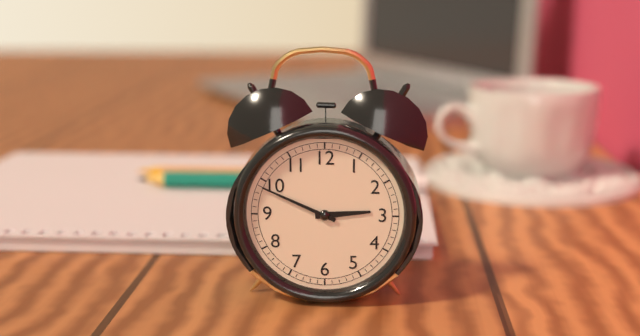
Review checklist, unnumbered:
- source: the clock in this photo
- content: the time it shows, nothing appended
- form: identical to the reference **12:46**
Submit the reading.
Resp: **2:49**
